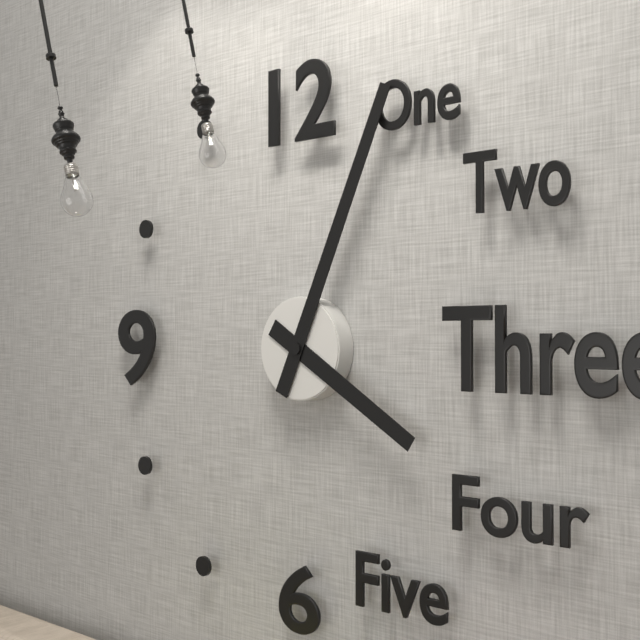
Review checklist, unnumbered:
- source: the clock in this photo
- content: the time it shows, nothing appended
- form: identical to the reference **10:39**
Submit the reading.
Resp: **4:04**
